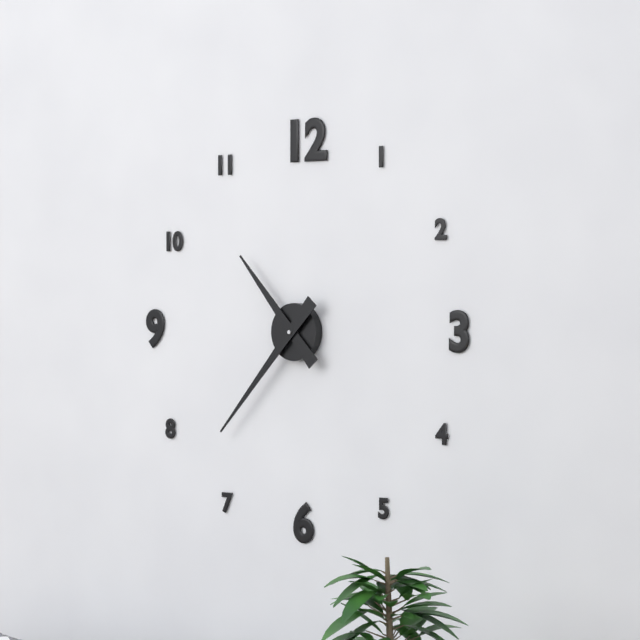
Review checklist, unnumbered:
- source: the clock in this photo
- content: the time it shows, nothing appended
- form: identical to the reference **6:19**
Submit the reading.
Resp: **10:37**
